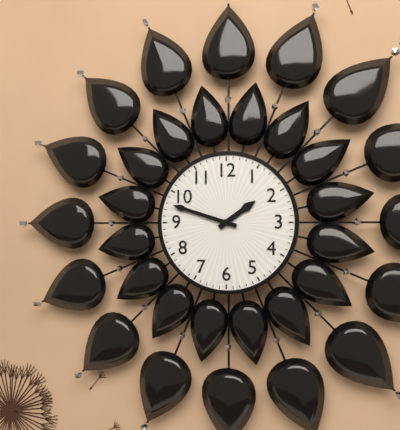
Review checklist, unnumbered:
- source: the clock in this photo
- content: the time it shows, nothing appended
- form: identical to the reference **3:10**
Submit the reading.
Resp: **1:48**
